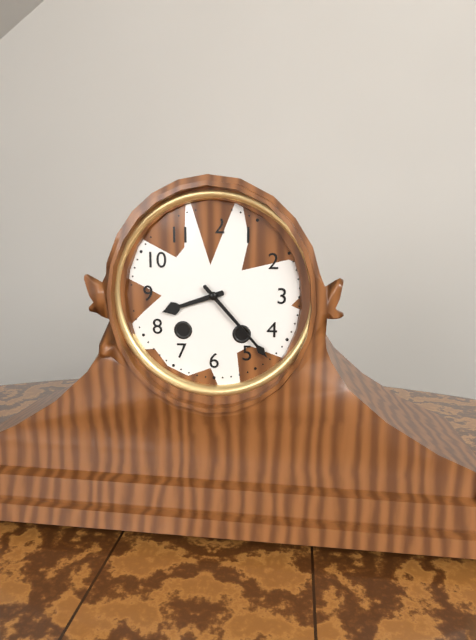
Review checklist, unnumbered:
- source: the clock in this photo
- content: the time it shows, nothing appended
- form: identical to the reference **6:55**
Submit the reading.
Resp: **8:23**
